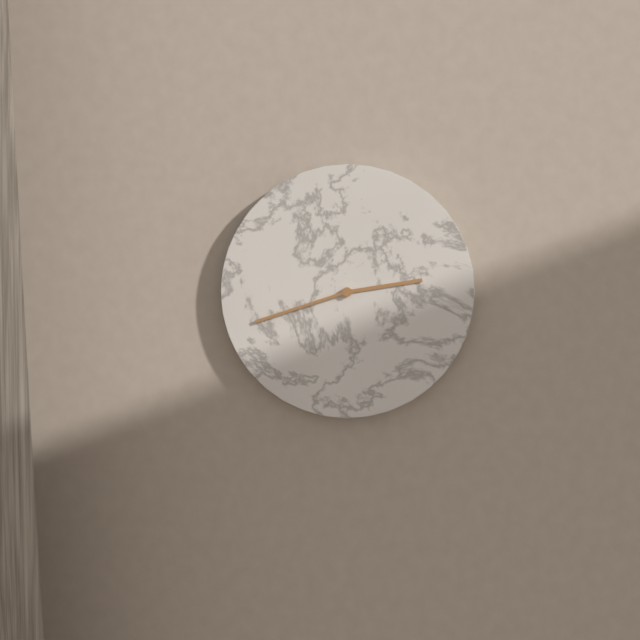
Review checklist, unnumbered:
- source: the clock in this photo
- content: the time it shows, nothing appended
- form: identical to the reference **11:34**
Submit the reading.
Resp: **2:42**
